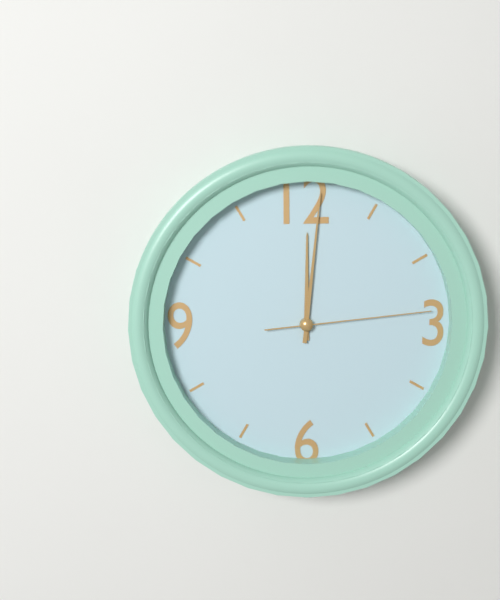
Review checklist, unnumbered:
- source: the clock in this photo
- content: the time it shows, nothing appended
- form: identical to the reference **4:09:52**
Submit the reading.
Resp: **12:01:14**
